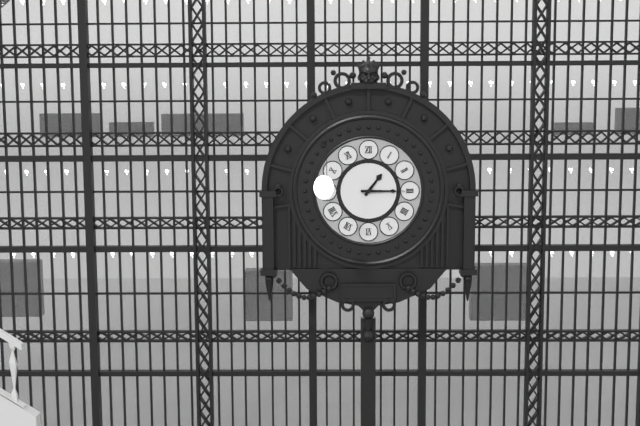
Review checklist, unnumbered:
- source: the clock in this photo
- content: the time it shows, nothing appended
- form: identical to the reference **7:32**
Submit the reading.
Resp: **1:15**
